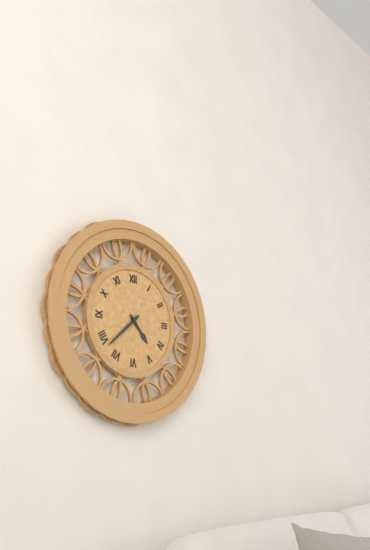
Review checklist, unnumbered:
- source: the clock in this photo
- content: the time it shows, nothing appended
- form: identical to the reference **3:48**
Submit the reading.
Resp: **4:38**
